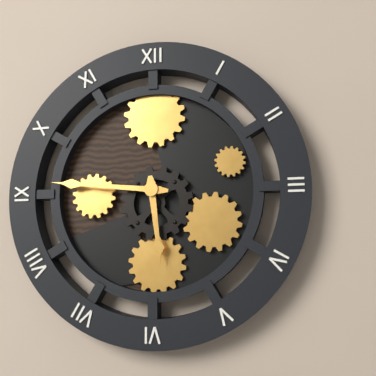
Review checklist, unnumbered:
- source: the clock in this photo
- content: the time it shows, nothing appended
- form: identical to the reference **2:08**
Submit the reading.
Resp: **5:46**
